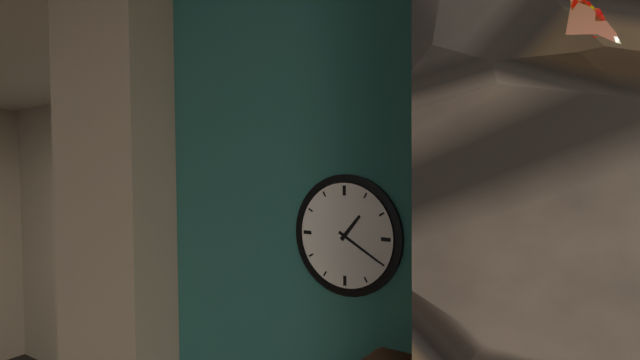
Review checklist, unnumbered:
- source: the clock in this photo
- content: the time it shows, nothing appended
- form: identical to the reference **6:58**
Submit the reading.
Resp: **1:20**
